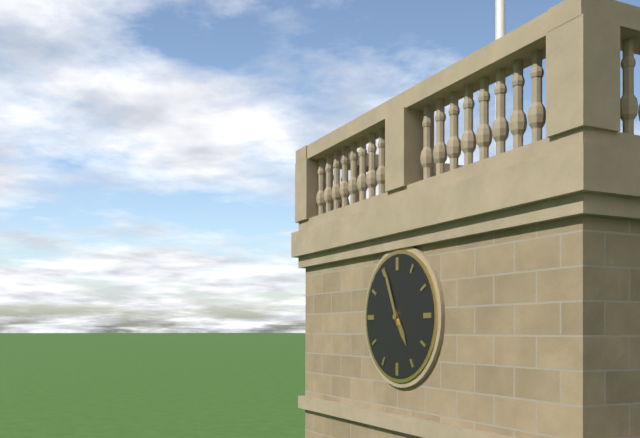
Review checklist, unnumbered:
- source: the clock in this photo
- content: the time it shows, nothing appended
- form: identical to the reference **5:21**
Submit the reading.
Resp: **4:56**
